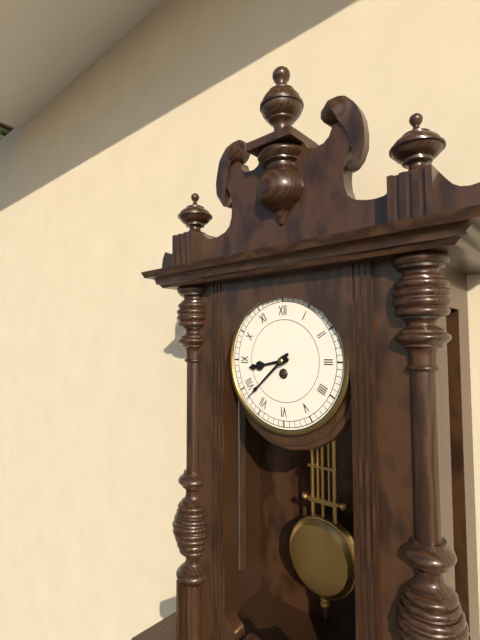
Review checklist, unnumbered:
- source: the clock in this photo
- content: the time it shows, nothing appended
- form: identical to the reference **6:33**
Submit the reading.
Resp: **8:38**
